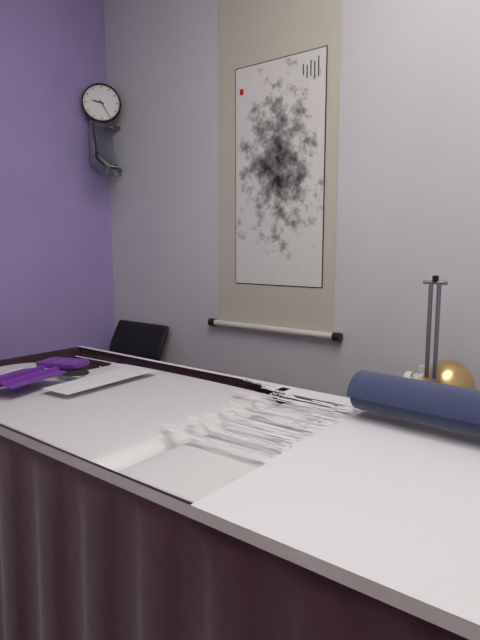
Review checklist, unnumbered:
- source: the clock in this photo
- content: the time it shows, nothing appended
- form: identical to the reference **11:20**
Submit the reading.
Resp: **9:25**
